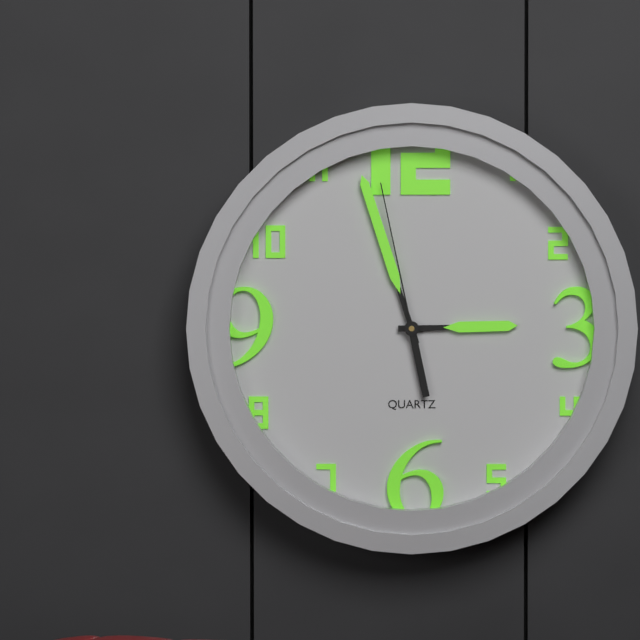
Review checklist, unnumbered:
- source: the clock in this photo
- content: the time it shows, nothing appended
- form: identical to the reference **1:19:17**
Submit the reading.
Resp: **2:57:58**
